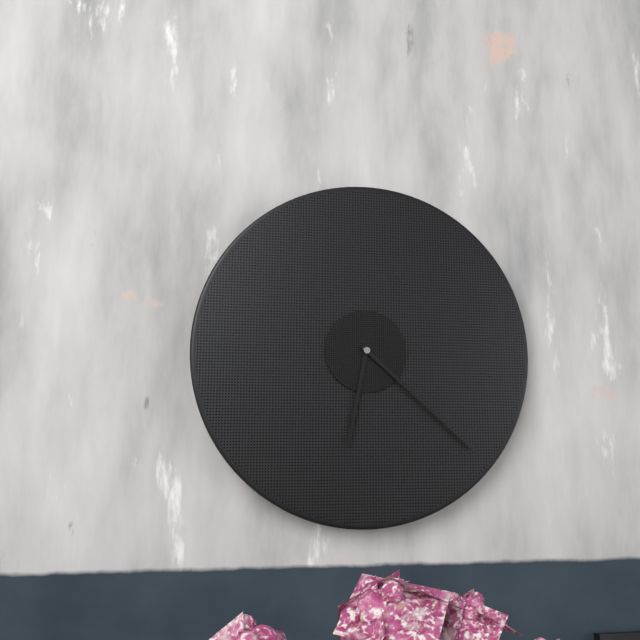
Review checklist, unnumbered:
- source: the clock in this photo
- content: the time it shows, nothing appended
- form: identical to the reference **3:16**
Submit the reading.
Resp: **6:22**
